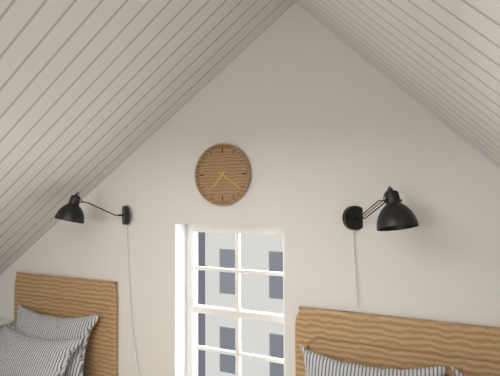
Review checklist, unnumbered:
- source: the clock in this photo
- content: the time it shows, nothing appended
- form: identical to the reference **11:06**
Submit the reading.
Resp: **7:21**
